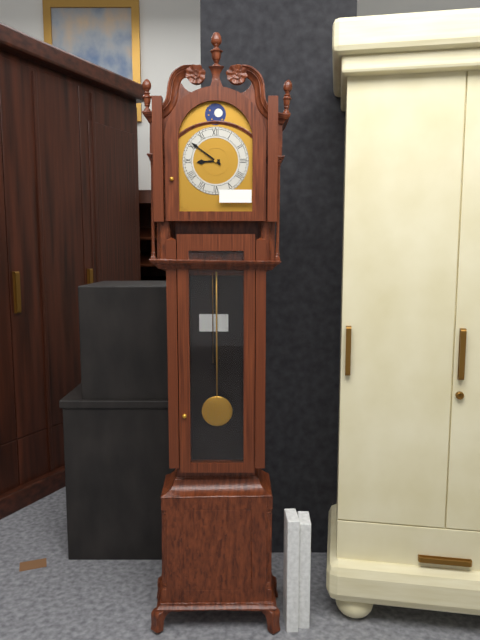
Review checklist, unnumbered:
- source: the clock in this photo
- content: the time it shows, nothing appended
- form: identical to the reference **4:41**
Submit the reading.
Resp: **8:51**
